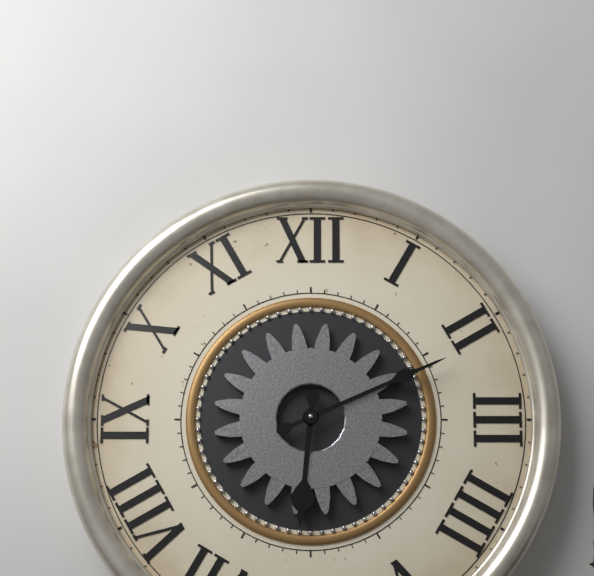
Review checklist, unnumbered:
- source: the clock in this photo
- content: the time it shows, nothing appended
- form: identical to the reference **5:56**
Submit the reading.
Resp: **6:11**
